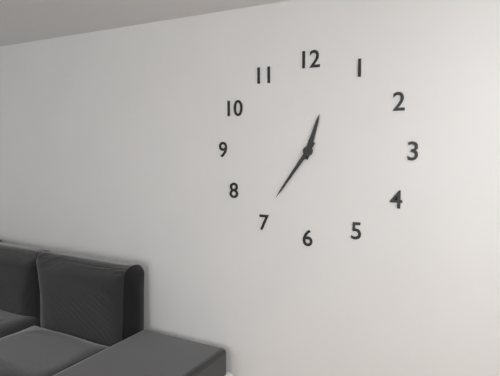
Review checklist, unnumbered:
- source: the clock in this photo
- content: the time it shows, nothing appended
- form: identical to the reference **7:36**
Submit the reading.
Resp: **12:36**
